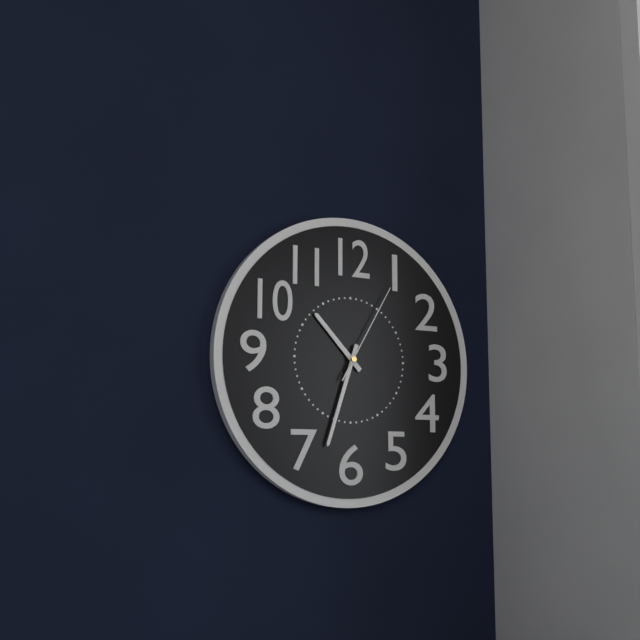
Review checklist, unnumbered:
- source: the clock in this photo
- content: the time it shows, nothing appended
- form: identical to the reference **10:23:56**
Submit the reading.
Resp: **10:33:05**
